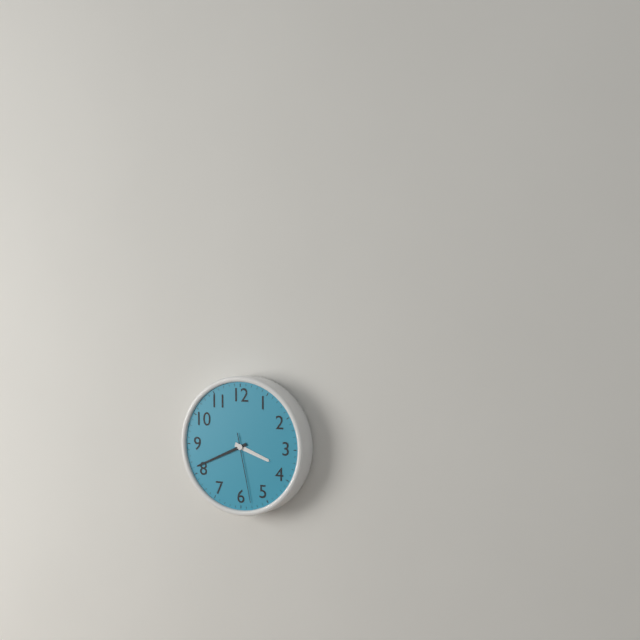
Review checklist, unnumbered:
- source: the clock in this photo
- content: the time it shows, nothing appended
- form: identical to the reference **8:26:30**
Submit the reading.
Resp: **3:41:28**
